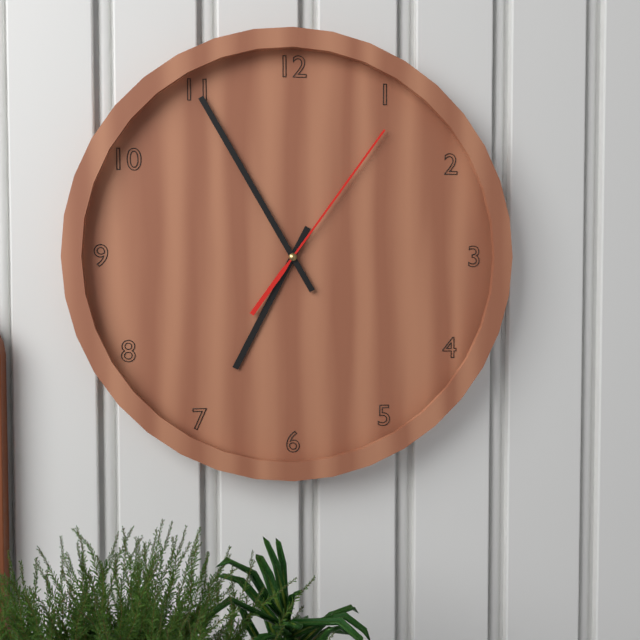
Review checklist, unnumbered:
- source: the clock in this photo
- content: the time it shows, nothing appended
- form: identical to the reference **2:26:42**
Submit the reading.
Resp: **6:55:06**
